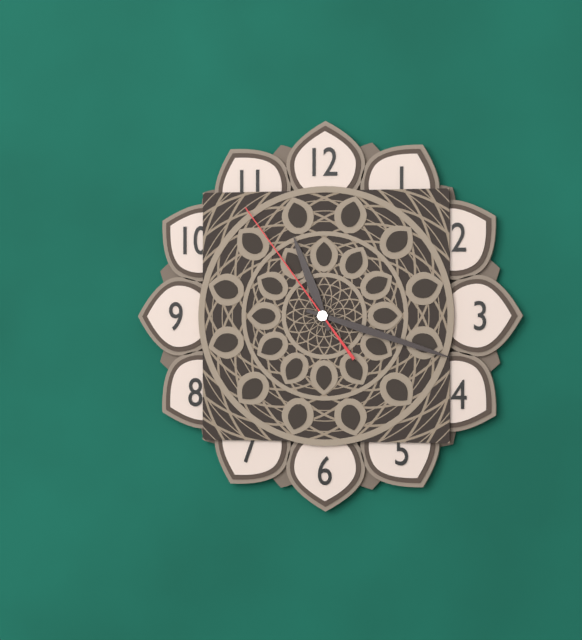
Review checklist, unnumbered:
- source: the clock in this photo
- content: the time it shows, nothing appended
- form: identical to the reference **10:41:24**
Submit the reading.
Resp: **11:18:54**
